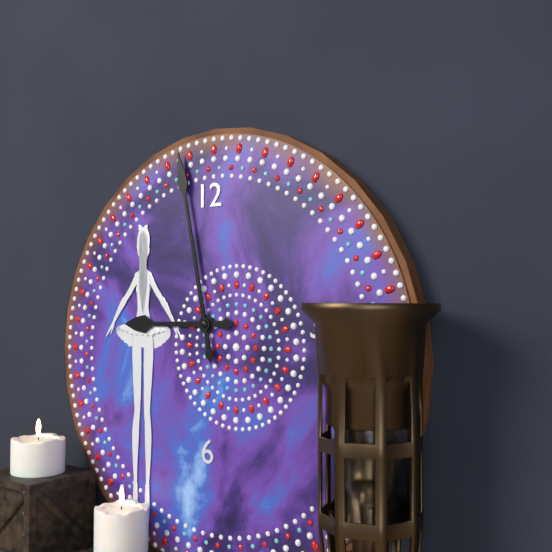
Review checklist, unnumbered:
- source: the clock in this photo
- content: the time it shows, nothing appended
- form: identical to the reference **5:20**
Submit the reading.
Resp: **8:58**
